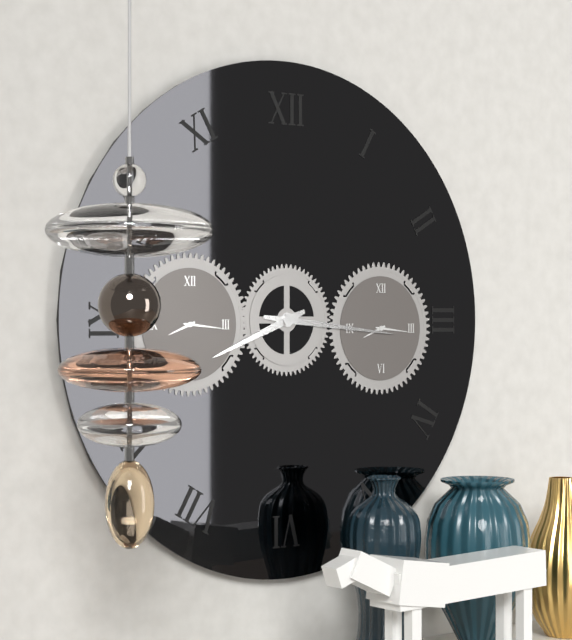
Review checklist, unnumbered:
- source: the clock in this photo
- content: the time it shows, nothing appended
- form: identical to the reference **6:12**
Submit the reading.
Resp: **8:16**
